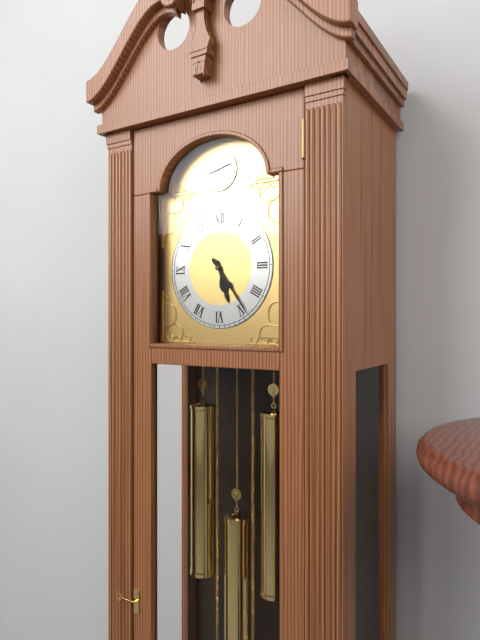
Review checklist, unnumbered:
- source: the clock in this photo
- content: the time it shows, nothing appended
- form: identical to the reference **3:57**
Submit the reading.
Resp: **5:24**
